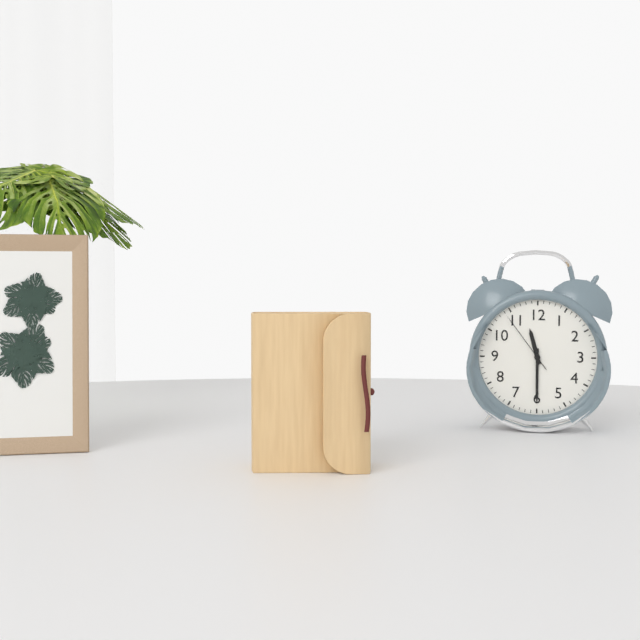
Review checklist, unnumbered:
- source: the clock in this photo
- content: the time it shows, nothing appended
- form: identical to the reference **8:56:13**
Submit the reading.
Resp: **11:30:54**
